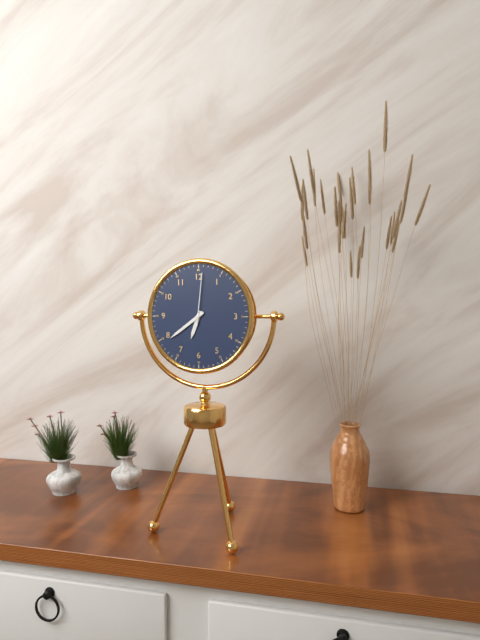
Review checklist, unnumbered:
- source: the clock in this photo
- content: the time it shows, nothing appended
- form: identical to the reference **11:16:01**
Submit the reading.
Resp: **6:39:01**
